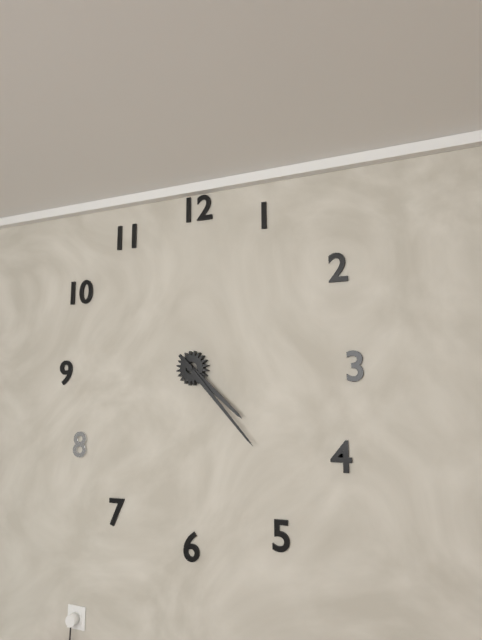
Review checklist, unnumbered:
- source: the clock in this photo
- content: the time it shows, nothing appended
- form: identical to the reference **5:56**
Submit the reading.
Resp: **4:23**
